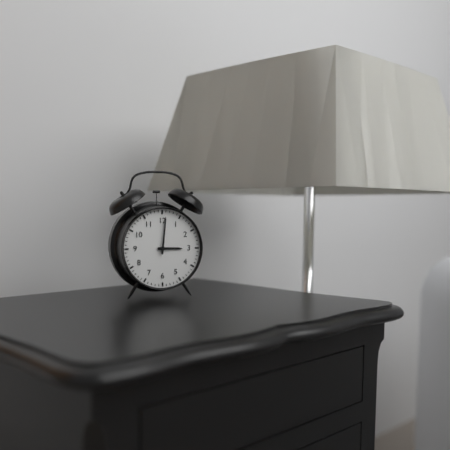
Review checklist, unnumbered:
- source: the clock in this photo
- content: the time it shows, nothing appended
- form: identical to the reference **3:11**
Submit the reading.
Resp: **3:01**
